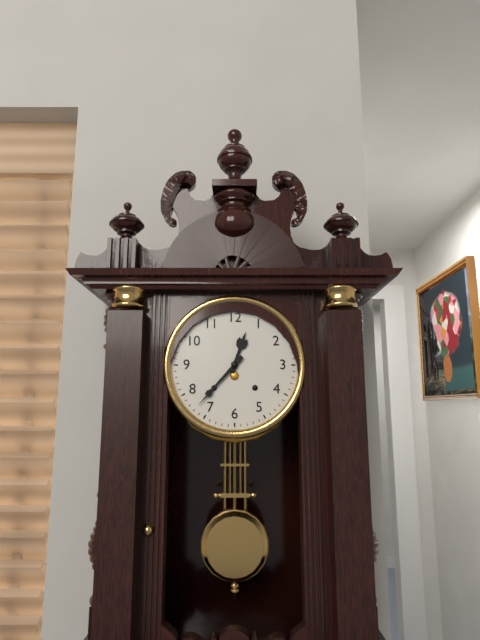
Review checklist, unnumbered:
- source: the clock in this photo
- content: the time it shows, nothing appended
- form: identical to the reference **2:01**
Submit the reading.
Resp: **12:37**
